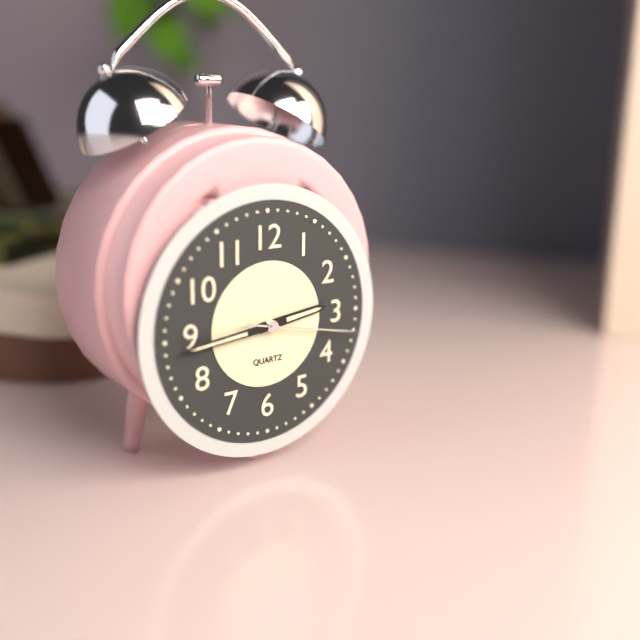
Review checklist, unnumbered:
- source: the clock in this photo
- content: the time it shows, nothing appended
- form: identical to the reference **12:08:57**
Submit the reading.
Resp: **2:44:17**
